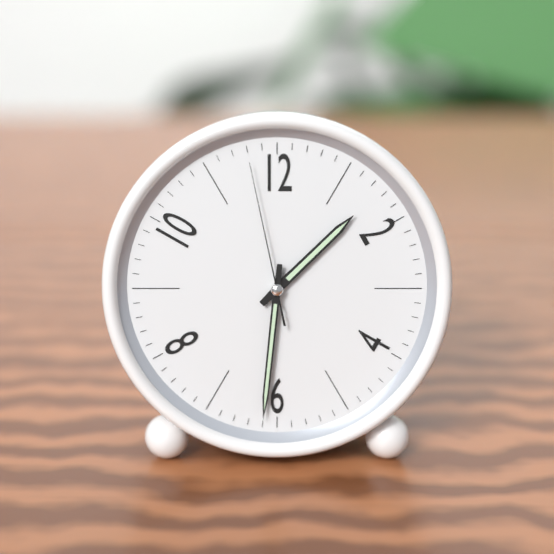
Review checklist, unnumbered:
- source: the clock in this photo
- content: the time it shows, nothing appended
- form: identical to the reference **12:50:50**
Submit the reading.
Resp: **1:31:58**
